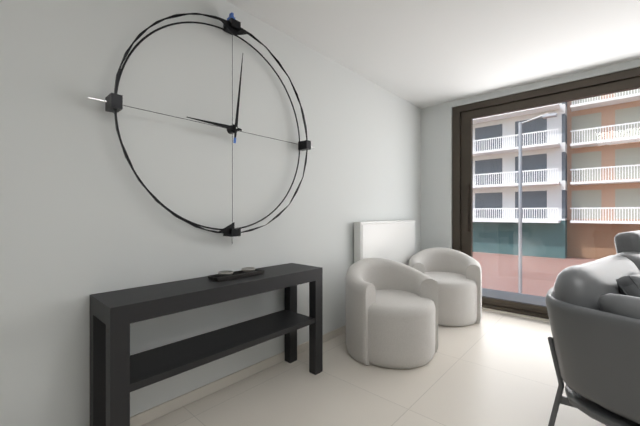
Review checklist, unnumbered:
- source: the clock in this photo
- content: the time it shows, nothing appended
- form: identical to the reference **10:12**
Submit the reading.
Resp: **9:01**
